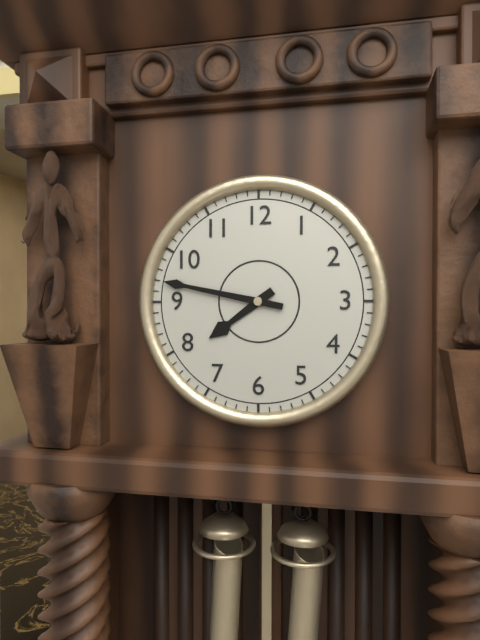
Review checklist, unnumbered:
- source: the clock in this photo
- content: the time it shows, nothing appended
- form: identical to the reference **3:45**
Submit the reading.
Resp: **7:47**
